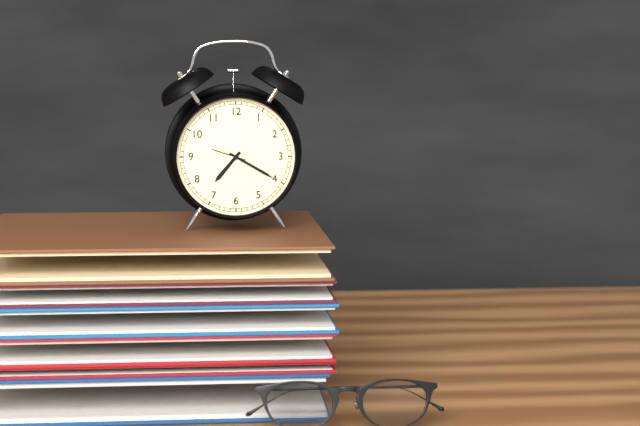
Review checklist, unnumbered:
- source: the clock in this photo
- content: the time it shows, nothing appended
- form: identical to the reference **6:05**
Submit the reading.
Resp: **7:20**
